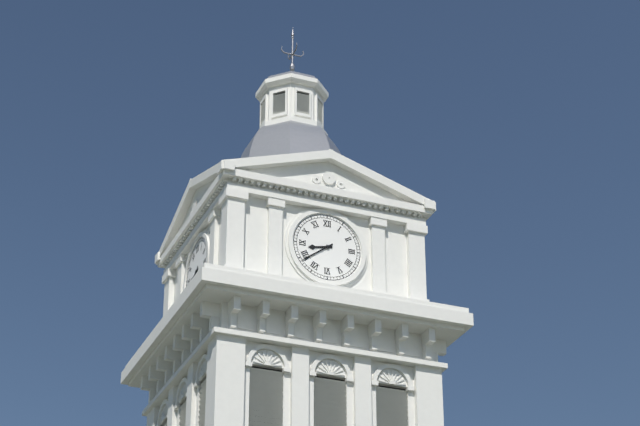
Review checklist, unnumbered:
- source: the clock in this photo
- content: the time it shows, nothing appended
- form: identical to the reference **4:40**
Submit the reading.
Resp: **8:39**
